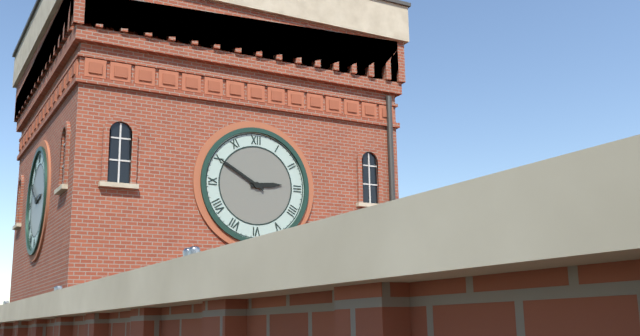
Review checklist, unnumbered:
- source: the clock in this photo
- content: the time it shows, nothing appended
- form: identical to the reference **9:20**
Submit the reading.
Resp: **2:50**
